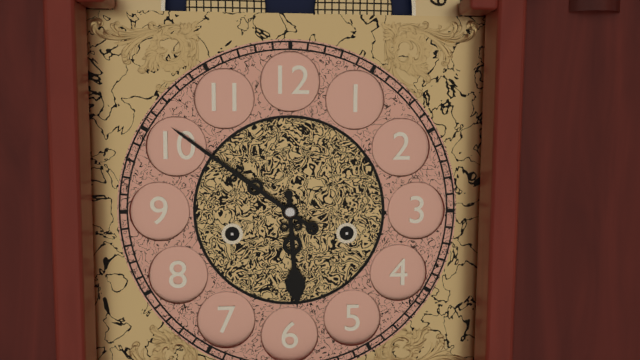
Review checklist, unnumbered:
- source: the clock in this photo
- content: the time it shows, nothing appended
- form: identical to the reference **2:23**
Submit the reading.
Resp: **5:51**
